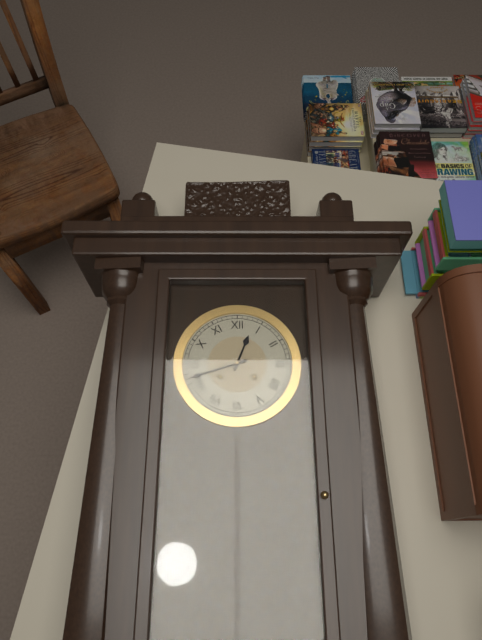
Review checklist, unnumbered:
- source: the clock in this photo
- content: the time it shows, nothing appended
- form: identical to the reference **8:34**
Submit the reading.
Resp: **12:42**
